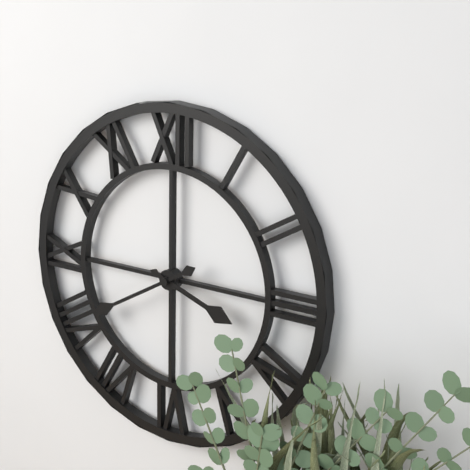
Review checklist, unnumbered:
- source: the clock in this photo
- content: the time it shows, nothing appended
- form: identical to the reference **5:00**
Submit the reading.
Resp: **3:40**
